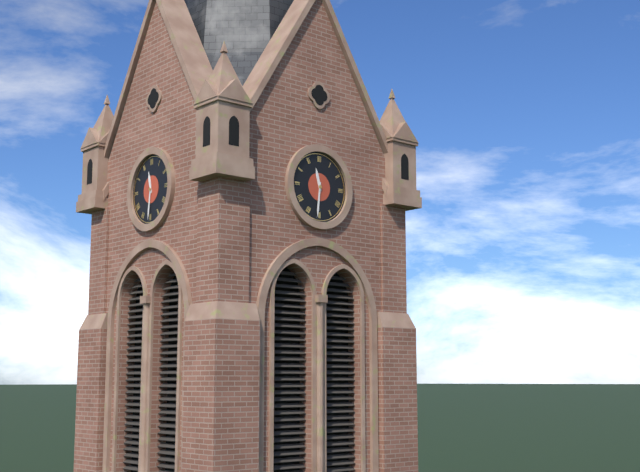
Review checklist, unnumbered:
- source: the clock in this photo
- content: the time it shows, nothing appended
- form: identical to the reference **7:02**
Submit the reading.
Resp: **11:31**
